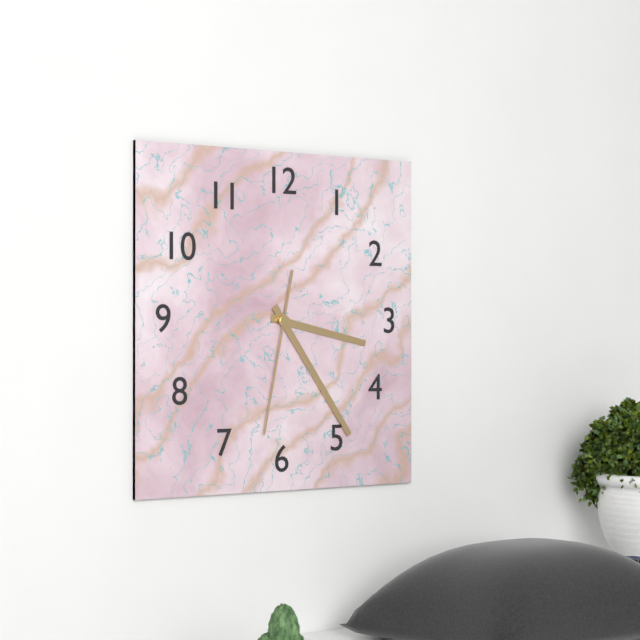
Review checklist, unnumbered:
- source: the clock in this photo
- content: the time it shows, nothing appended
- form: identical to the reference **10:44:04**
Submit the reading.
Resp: **3:24:32**
